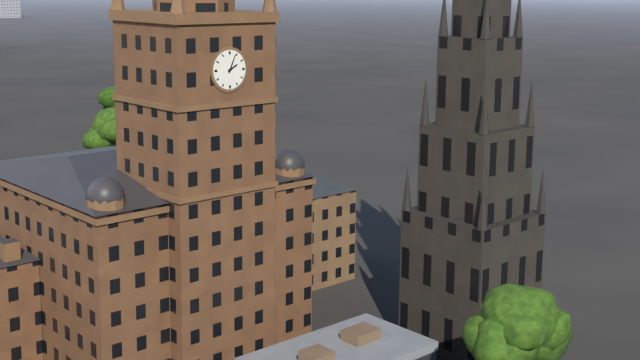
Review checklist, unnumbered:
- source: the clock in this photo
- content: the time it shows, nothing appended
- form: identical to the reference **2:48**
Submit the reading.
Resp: **2:04**
